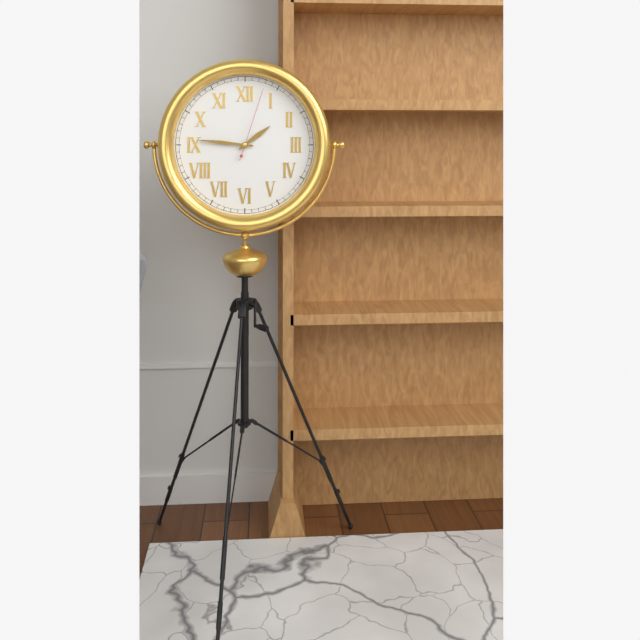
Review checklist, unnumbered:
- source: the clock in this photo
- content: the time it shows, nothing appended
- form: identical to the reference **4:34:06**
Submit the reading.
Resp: **1:46:03**
